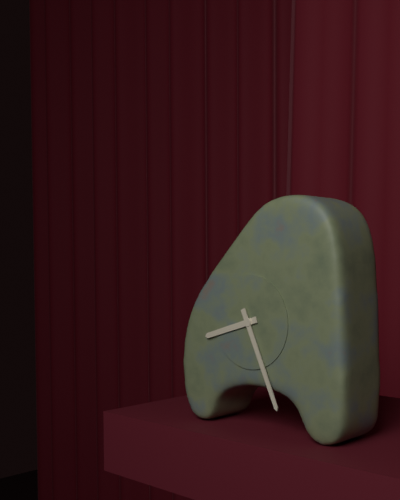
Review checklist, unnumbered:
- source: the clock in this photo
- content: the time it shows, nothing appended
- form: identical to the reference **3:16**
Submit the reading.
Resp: **8:26**
